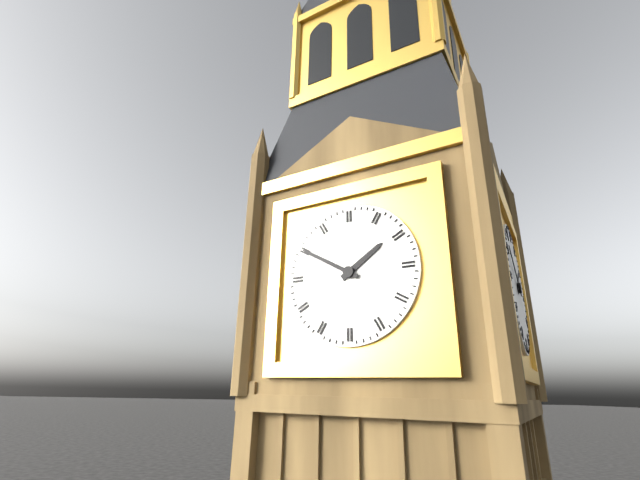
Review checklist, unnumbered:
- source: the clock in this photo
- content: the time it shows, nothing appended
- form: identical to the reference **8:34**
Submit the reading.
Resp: **1:50**
